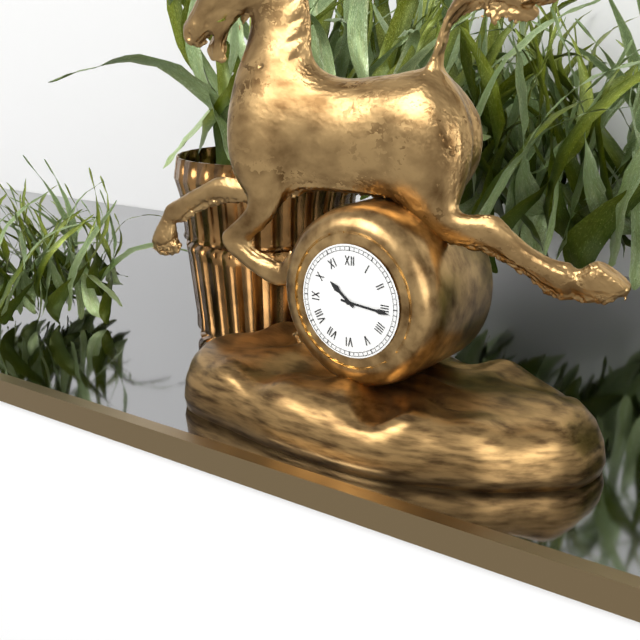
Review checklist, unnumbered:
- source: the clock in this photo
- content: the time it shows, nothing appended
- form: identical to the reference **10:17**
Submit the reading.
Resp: **10:16**
